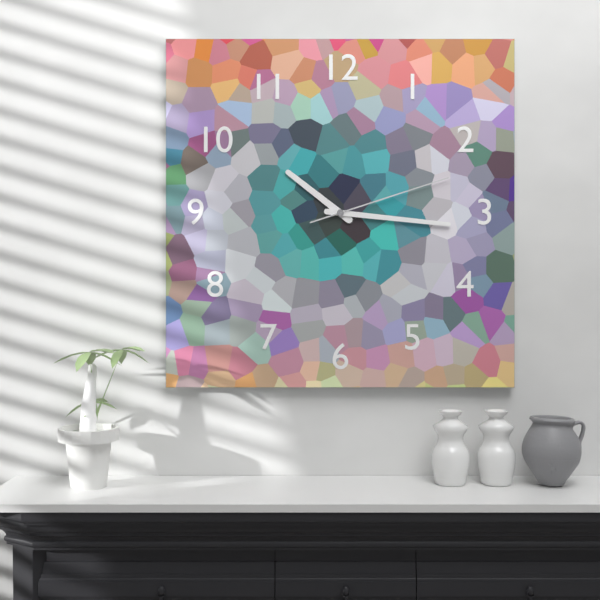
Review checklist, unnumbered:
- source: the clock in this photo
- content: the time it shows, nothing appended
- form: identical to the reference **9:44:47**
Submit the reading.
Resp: **10:16:12**
